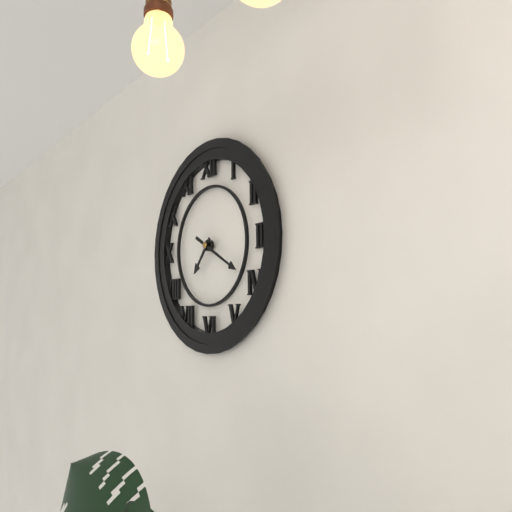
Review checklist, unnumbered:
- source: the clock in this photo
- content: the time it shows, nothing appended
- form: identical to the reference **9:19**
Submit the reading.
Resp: **7:20**
